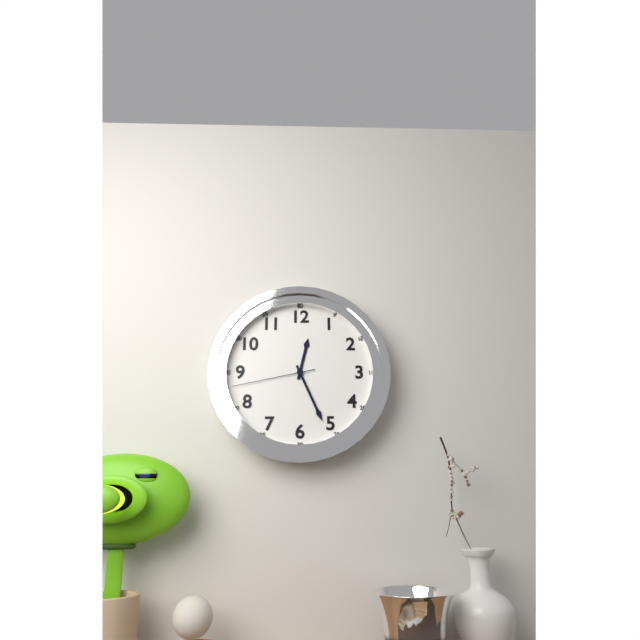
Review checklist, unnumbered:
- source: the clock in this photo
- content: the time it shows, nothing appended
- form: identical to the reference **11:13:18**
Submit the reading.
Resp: **12:26:43**
